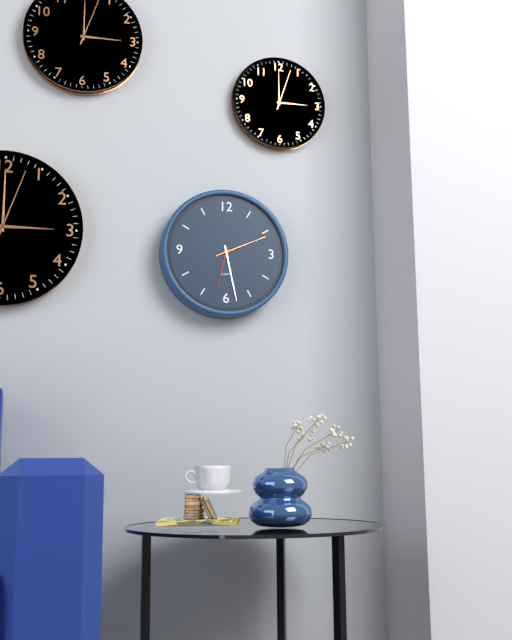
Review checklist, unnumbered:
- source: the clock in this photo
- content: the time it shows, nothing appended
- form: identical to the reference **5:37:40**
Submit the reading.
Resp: **6:28:11**
